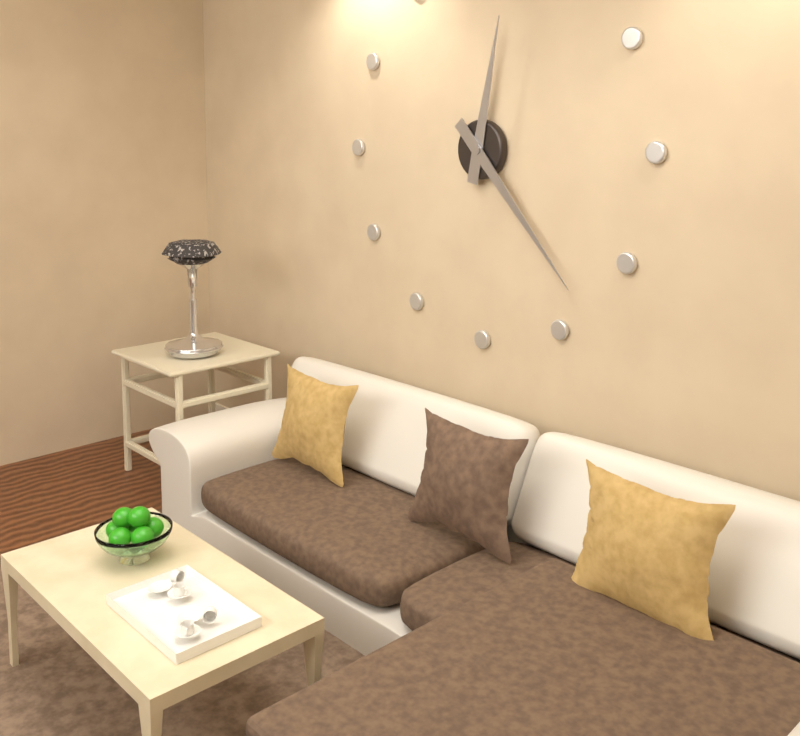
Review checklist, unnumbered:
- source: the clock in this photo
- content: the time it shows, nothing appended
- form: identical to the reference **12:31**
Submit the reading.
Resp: **12:23**
